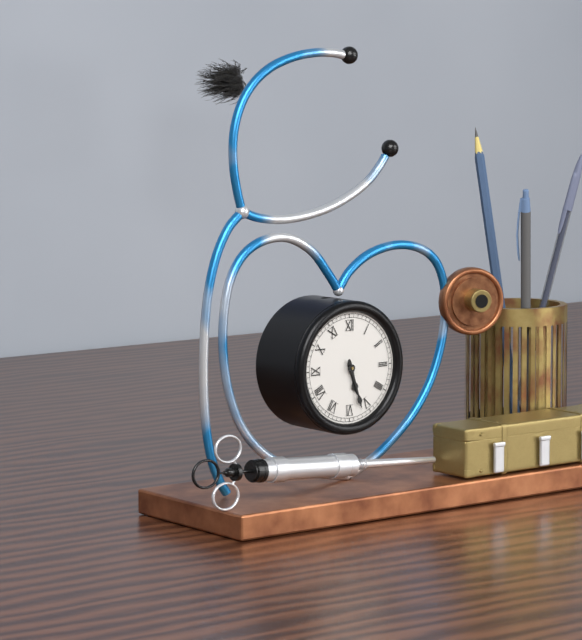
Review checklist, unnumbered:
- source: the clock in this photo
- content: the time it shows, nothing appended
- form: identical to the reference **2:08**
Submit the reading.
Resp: **5:27**
